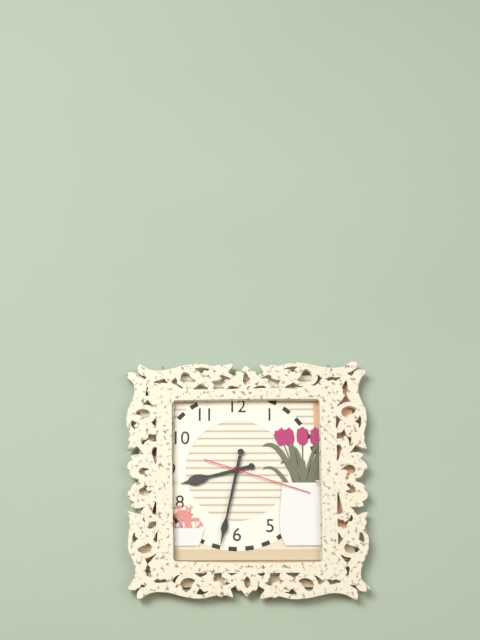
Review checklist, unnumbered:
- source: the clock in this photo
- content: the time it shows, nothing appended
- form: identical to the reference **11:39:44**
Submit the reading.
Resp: **8:32:18**
